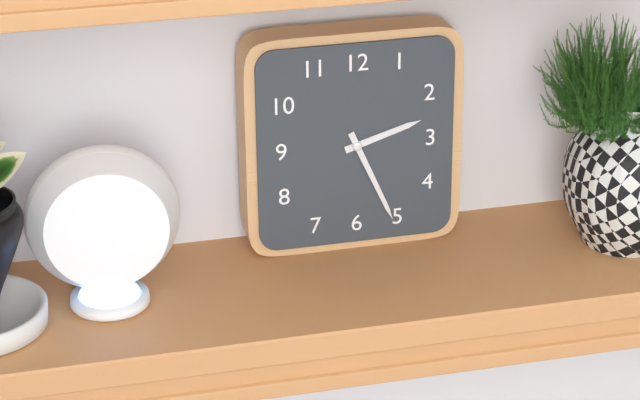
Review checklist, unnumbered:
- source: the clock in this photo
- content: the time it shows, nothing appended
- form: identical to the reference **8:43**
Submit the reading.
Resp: **2:26**
